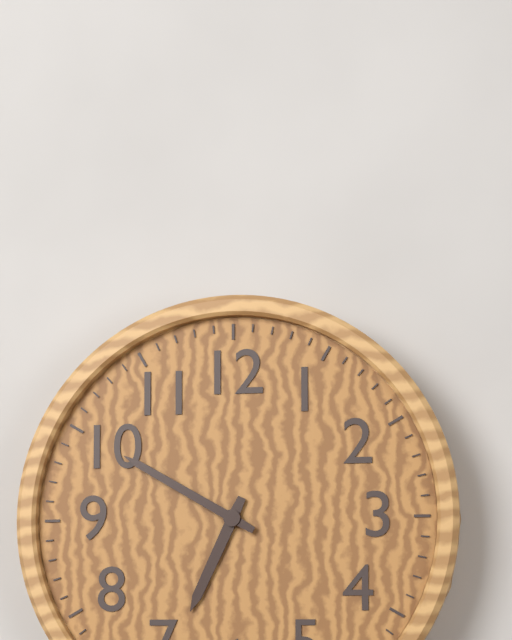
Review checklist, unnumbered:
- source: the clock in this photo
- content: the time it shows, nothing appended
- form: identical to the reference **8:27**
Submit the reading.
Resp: **6:50**
